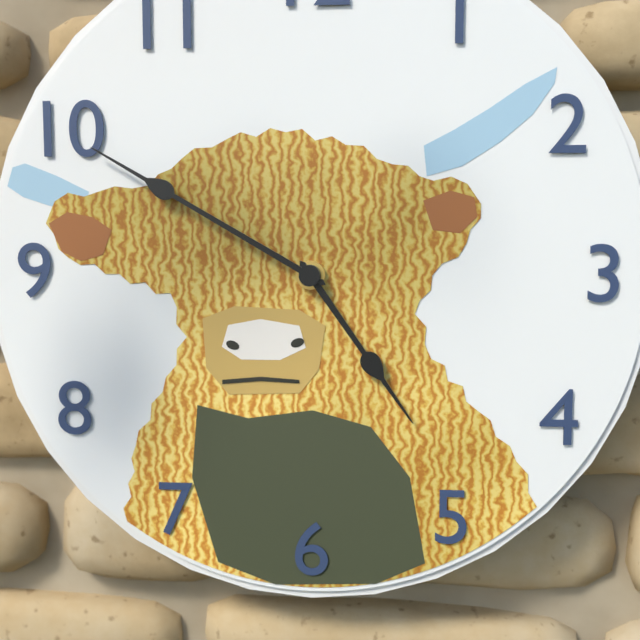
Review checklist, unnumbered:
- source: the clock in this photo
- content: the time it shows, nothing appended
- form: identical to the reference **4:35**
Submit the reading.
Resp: **4:50**
